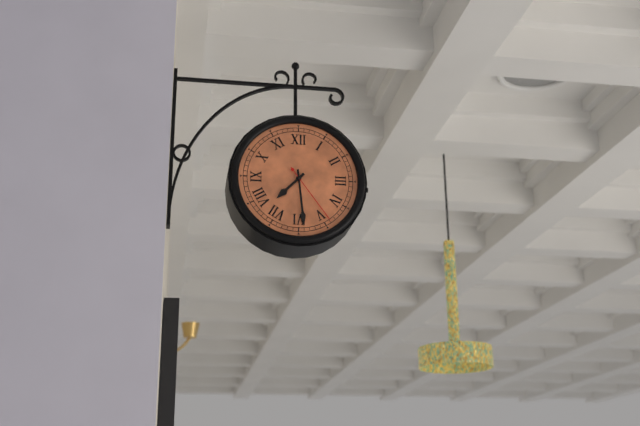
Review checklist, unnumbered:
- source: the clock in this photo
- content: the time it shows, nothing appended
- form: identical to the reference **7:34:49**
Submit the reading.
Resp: **7:29:24**
